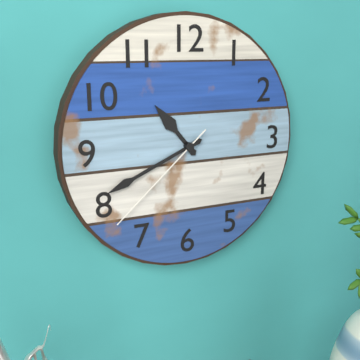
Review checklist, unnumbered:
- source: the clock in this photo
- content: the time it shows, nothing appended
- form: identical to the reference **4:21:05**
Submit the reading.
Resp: **10:41:38**
